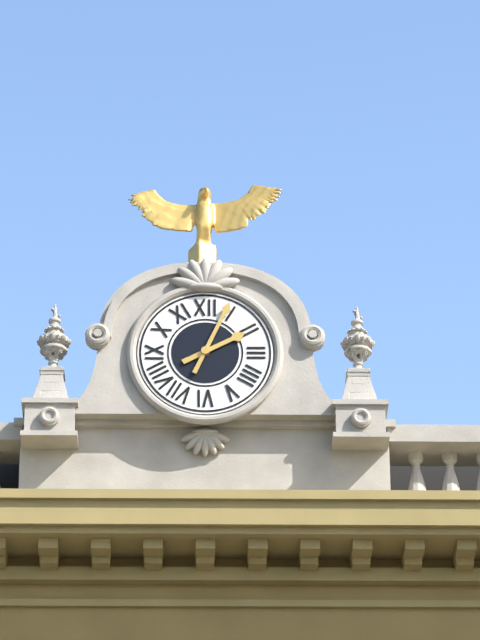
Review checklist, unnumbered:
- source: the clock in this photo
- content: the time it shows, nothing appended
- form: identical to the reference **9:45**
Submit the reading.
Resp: **2:04**
